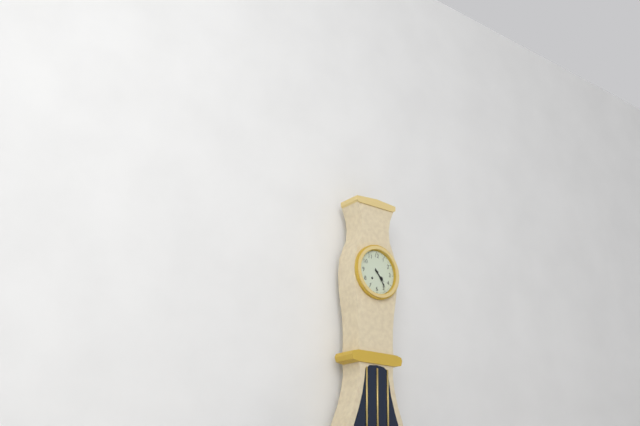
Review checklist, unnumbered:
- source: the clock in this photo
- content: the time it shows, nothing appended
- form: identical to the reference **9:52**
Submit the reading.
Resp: **4:24**
